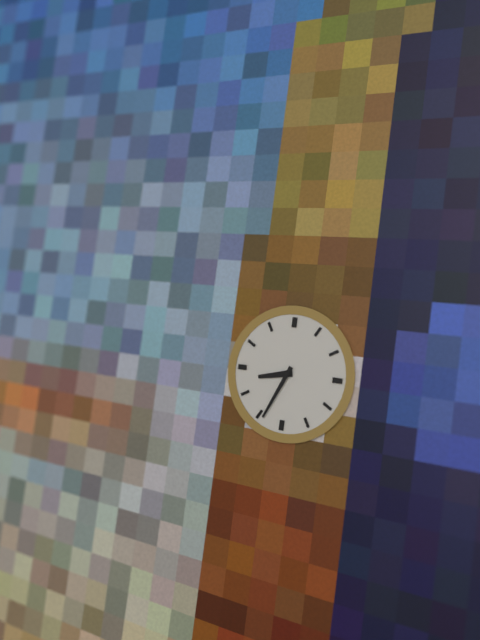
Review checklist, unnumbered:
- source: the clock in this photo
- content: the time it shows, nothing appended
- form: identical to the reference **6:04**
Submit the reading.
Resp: **8:34**
